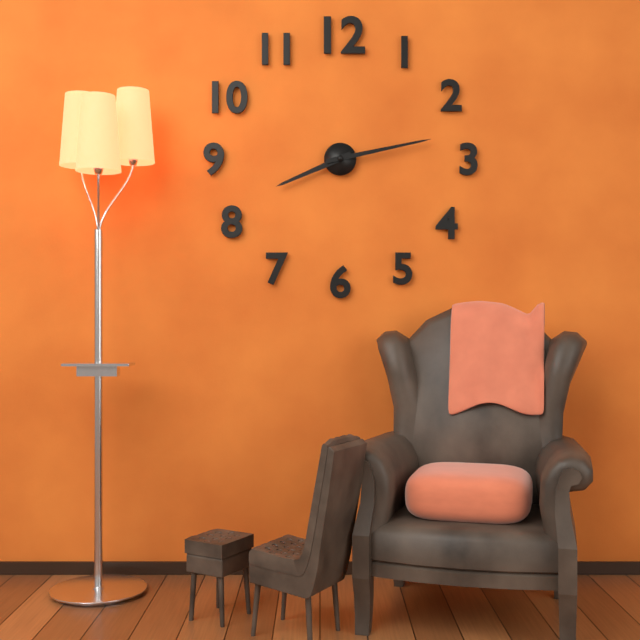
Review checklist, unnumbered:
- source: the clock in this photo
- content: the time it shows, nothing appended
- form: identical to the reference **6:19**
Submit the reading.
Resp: **8:13**
